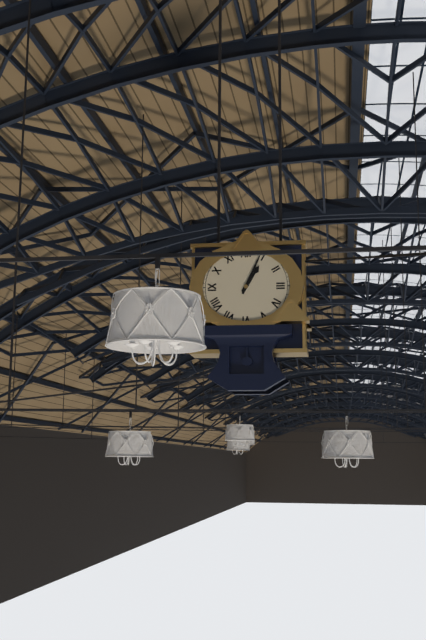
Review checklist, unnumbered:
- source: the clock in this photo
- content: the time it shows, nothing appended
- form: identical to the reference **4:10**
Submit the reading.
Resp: **1:04**
